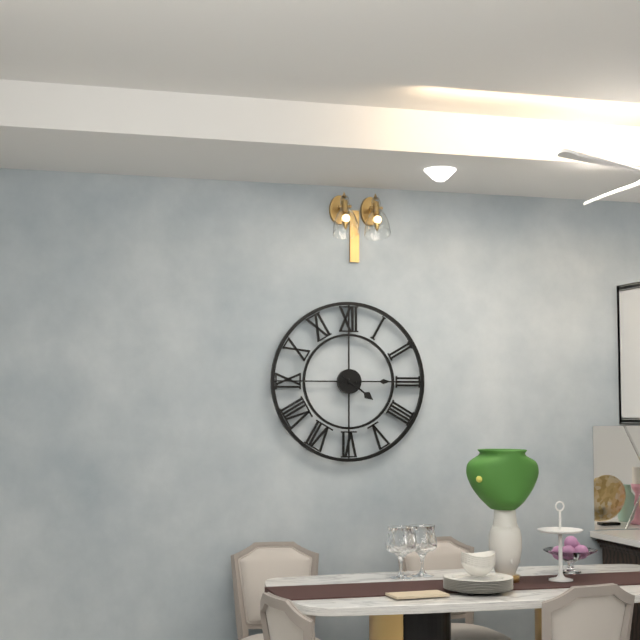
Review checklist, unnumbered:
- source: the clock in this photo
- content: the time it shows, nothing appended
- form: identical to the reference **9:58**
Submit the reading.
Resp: **4:15**
